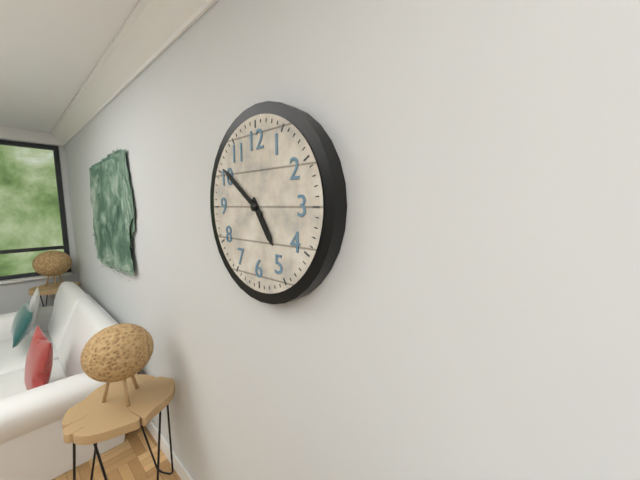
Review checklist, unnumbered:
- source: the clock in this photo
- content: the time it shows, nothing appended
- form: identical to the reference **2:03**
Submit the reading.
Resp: **4:51**
